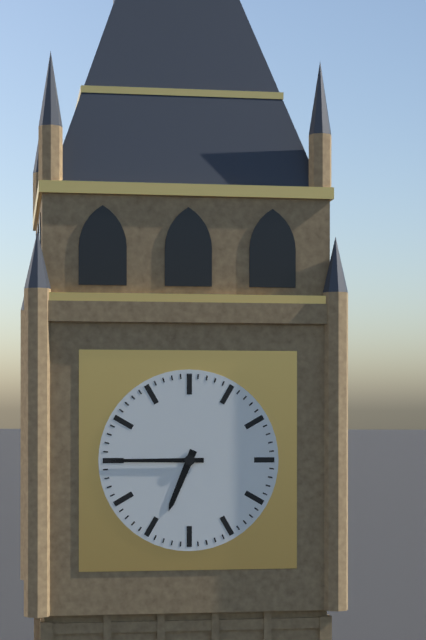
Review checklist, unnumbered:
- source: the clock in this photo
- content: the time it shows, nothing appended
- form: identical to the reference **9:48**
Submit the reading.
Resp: **6:45**
